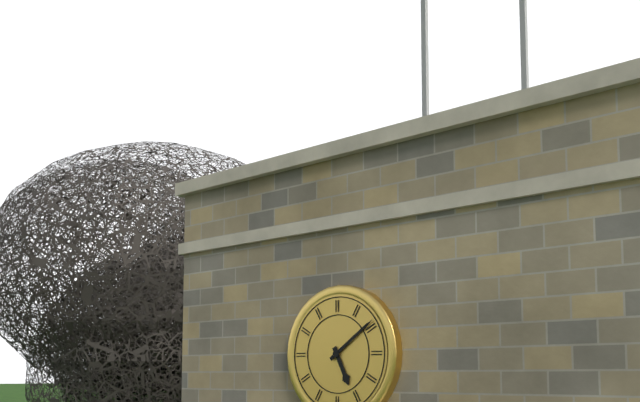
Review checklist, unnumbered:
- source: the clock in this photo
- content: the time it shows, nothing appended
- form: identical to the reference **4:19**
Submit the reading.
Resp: **5:09**
